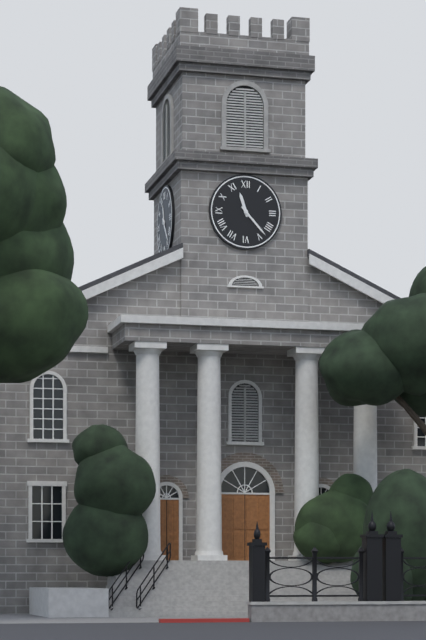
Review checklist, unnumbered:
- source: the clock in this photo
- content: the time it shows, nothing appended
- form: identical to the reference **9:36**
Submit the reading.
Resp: **11:23**
